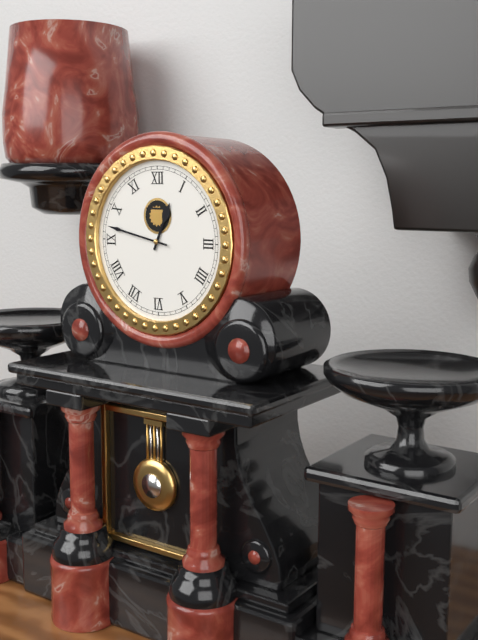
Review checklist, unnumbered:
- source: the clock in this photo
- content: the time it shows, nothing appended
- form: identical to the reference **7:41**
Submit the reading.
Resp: **12:47**
